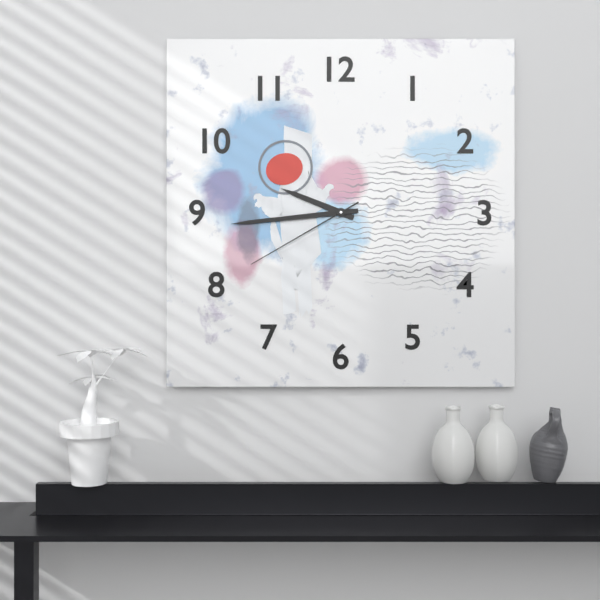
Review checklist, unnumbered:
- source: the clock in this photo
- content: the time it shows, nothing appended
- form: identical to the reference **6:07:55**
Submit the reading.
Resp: **9:44:40**
